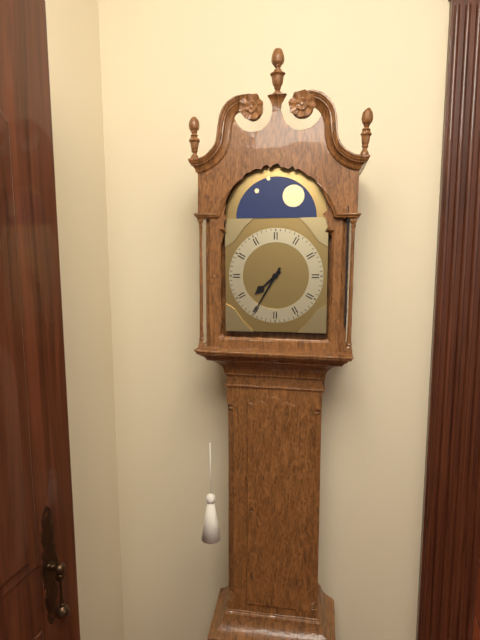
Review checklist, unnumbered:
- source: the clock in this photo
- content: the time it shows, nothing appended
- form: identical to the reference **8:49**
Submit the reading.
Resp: **7:35**
